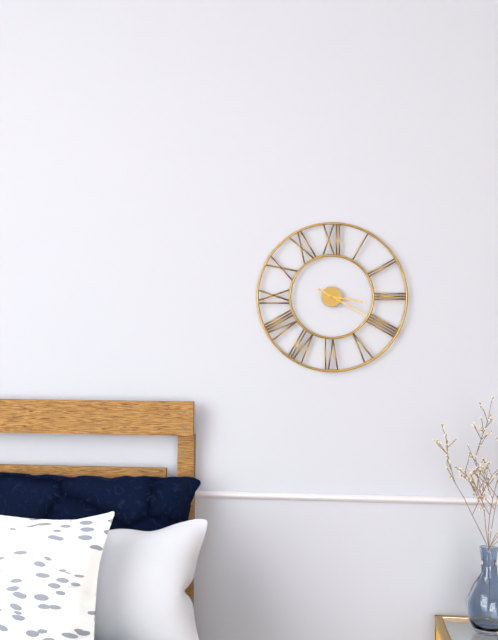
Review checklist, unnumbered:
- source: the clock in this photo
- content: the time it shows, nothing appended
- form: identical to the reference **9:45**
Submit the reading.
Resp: **3:20**
